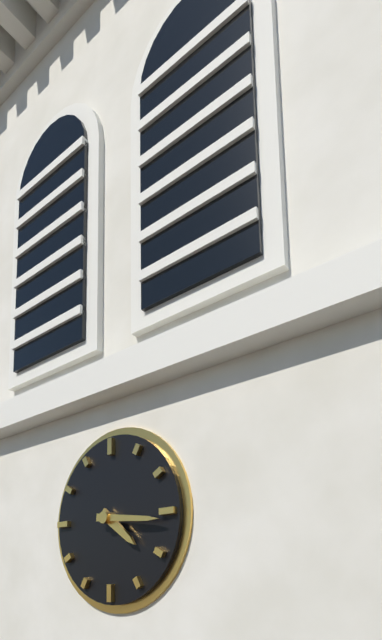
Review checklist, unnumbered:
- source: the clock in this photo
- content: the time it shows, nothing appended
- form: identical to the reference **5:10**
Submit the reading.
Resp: **4:16**
